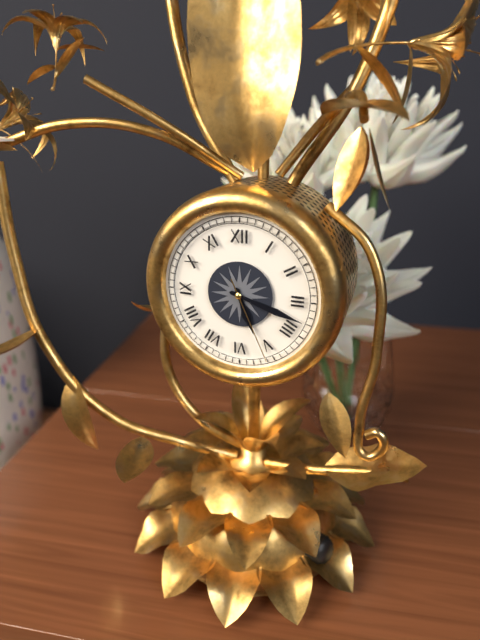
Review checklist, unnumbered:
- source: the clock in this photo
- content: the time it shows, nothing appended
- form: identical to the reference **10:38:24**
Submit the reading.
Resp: **5:18:26**
